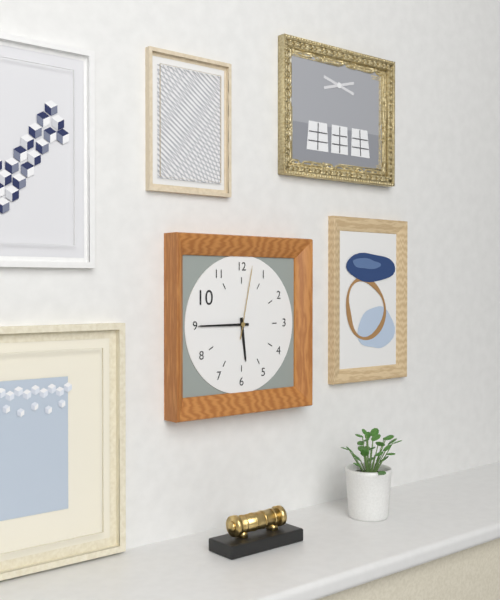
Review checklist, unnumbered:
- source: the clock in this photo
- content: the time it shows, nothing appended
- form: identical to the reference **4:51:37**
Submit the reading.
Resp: **5:45:02**
